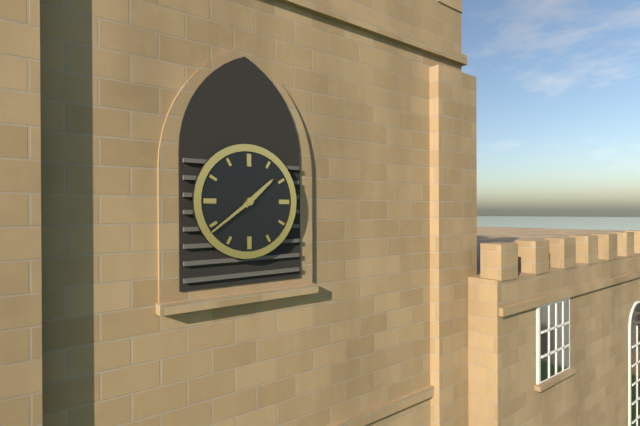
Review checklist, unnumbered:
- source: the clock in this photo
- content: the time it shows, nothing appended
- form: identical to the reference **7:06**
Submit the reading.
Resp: **1:39**
